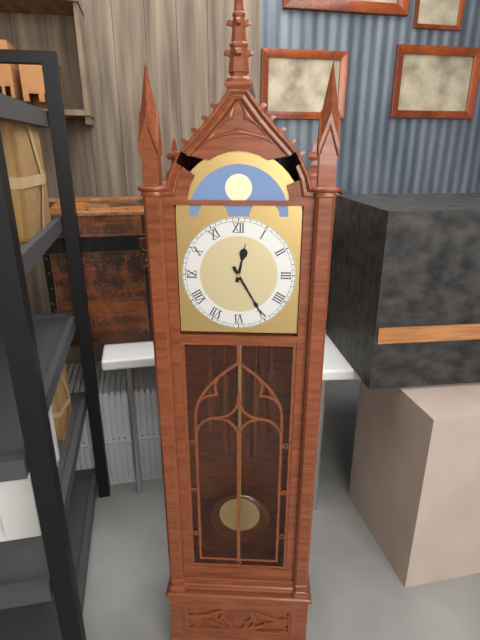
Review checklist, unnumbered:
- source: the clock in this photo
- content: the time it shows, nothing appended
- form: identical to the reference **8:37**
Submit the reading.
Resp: **12:25**
